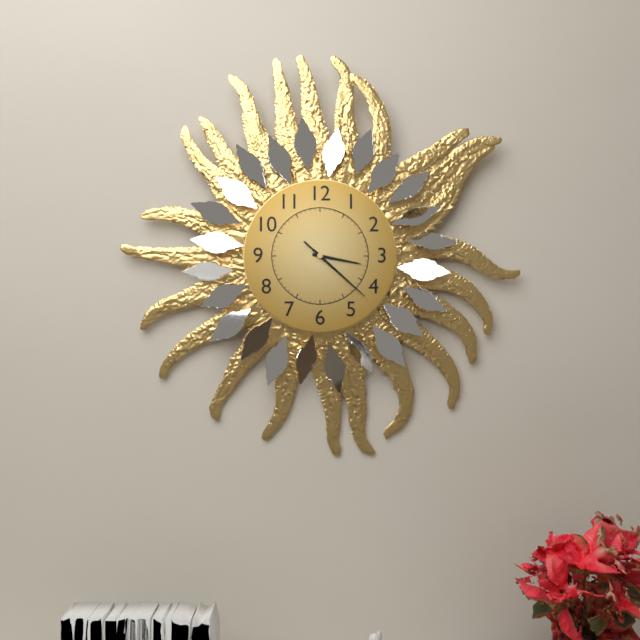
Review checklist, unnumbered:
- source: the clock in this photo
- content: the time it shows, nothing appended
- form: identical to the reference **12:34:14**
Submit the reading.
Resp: **3:22:22**
